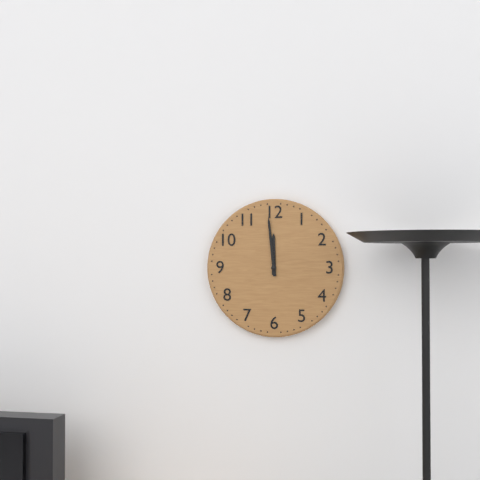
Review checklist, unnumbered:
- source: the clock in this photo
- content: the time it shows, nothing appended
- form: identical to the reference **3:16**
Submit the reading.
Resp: **11:59**
